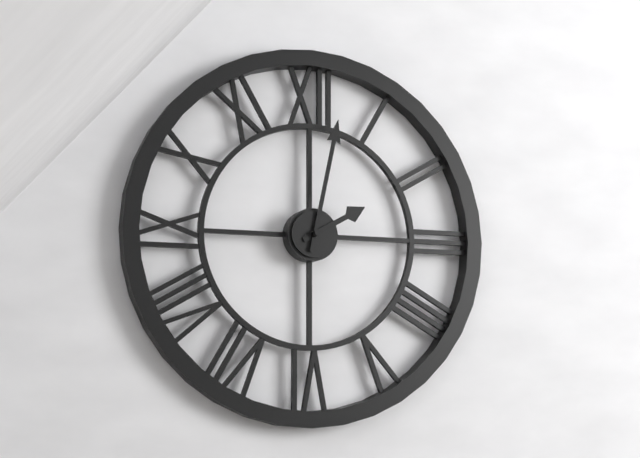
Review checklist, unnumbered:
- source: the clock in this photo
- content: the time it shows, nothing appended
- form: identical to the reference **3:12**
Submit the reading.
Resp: **2:02**
